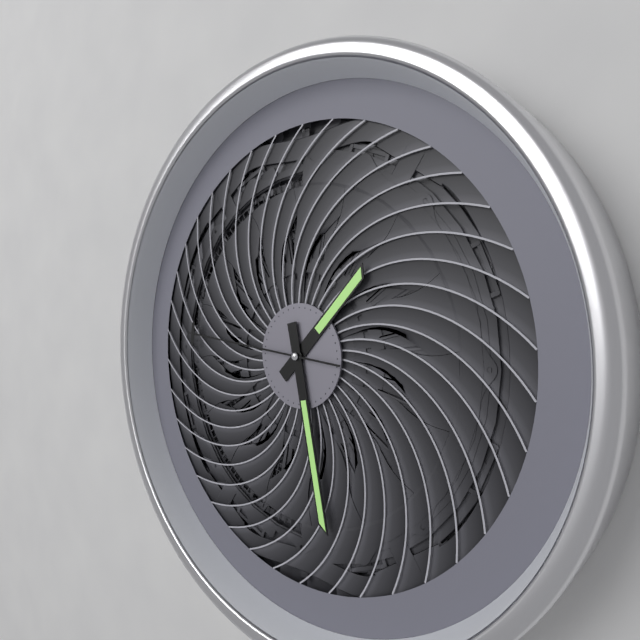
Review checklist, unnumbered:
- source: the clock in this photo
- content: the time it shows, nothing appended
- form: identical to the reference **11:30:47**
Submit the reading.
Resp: **1:28:46**
